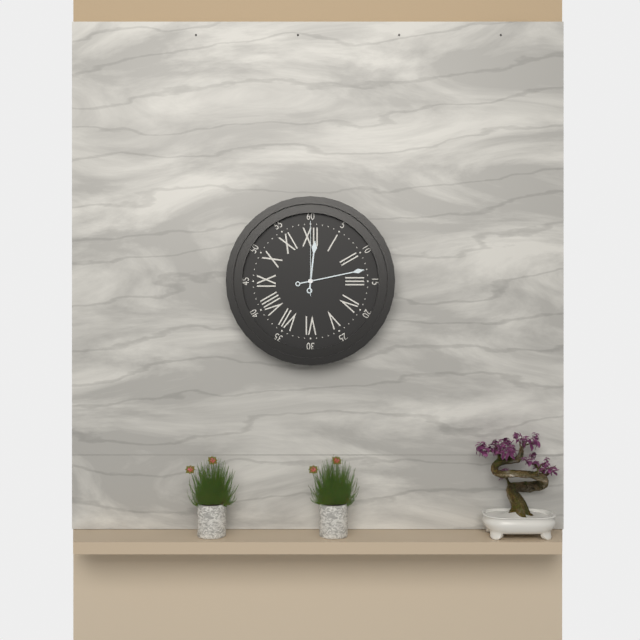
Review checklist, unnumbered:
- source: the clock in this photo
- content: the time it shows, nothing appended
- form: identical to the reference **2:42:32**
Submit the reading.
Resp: **12:13:00**
